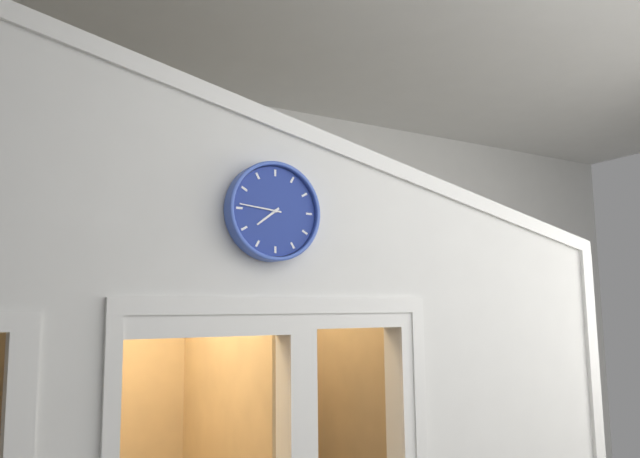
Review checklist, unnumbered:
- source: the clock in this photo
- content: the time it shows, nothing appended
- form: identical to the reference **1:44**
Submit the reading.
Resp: **7:46**
